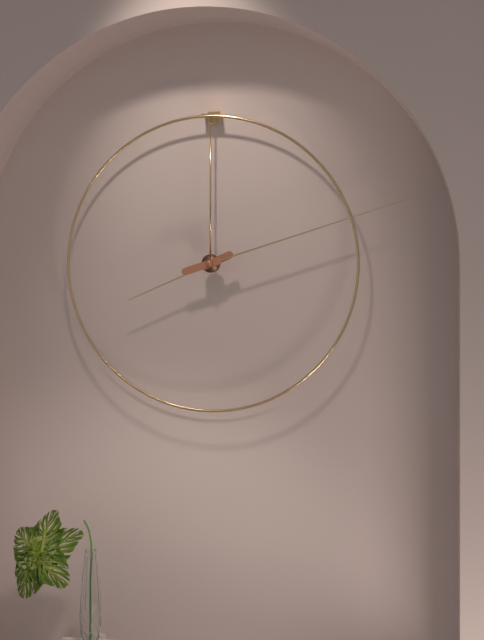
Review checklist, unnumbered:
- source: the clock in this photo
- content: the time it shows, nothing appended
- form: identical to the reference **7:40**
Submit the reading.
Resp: **8:12**
